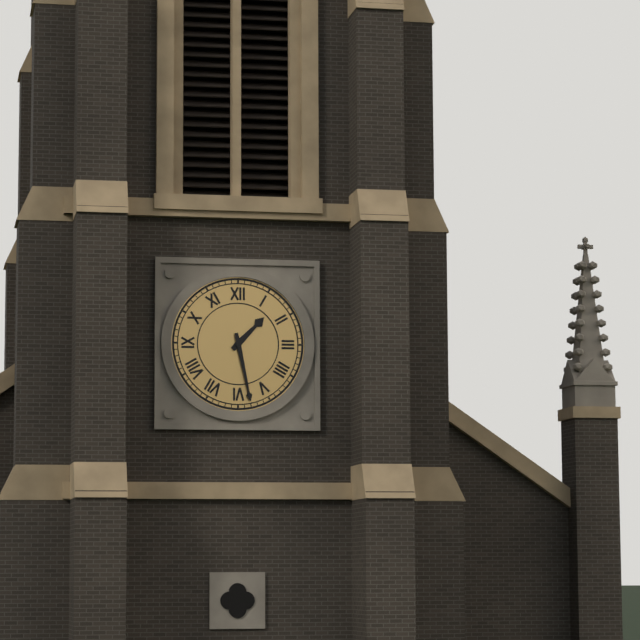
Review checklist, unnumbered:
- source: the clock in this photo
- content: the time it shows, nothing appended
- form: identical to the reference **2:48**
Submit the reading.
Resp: **1:28**
